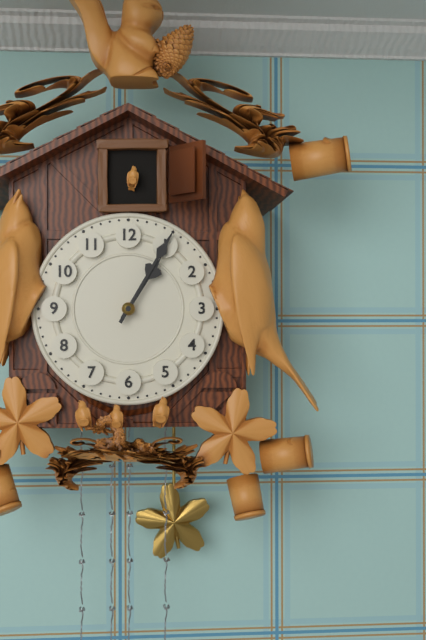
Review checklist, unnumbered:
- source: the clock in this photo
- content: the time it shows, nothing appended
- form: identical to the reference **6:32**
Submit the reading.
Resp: **1:05**
